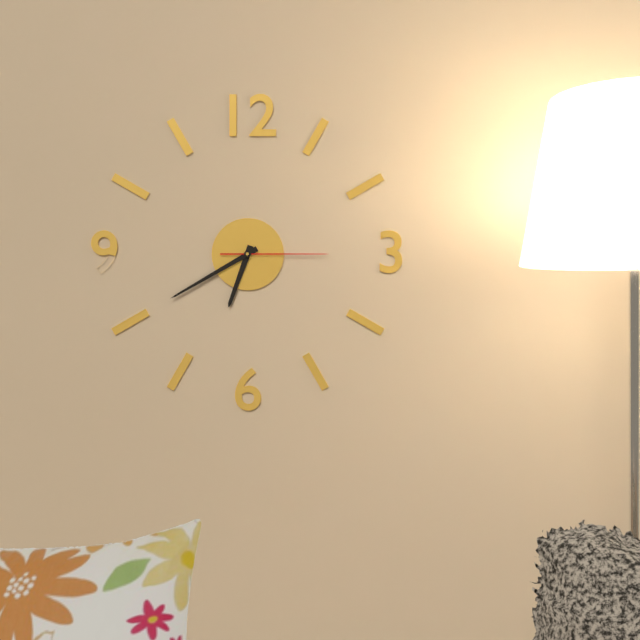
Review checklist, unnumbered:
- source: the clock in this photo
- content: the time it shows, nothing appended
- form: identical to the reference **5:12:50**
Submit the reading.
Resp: **6:40:15**
